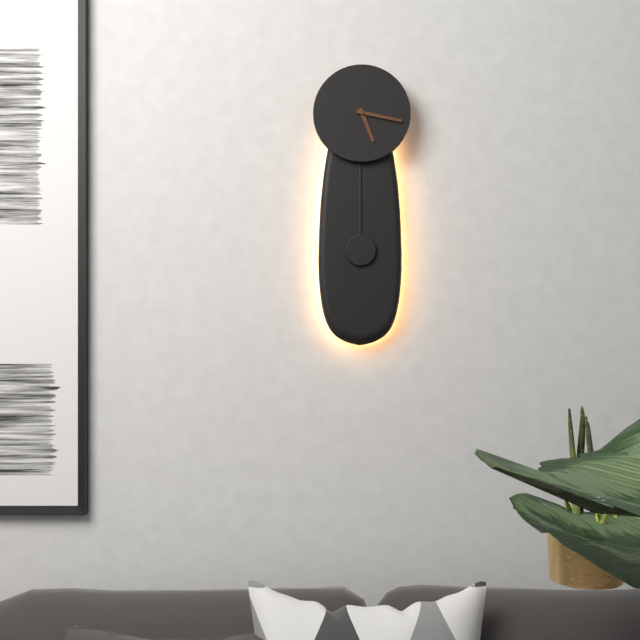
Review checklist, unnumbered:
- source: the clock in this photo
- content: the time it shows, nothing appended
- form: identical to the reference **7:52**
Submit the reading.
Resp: **5:17**
